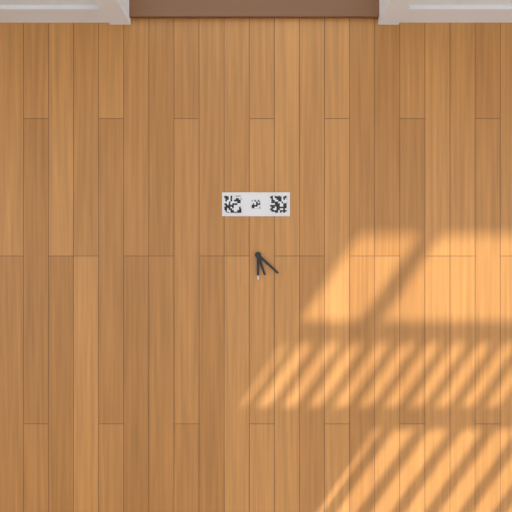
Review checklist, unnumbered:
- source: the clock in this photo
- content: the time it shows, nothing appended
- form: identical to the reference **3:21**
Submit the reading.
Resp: **5:22**
